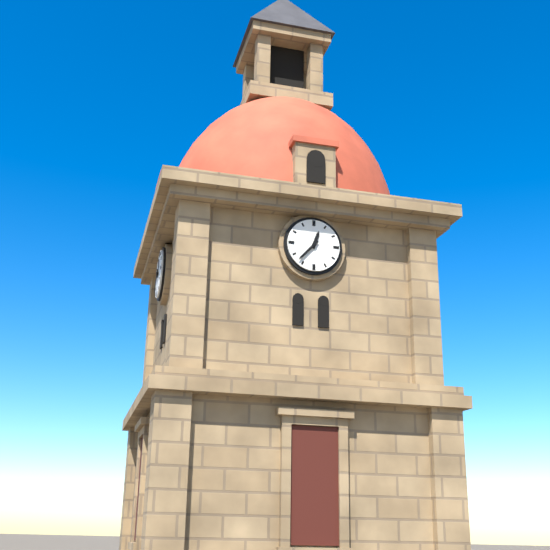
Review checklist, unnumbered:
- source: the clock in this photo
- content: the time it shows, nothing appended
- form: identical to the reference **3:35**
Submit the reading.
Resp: **12:37**
